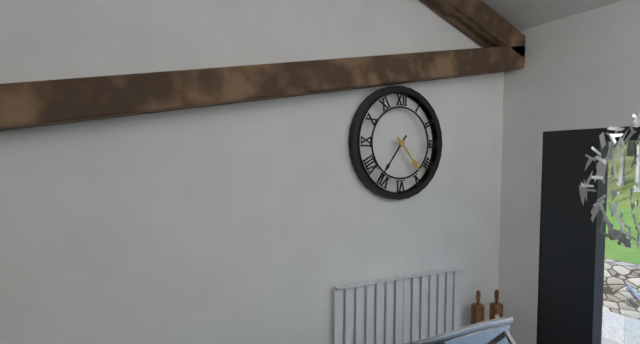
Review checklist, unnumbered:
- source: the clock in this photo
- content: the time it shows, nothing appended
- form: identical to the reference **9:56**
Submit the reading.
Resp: **4:36**
